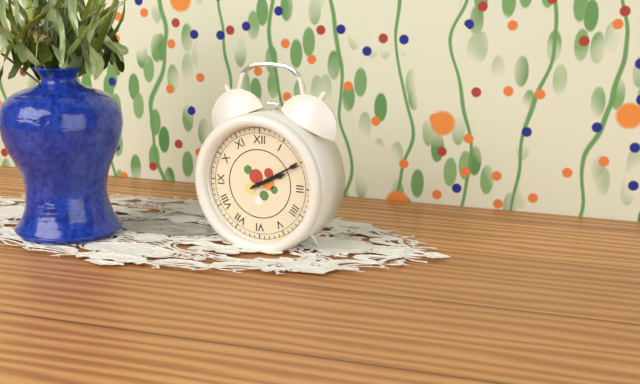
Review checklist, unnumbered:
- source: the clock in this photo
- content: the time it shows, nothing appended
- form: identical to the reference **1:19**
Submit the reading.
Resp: **2:10**
